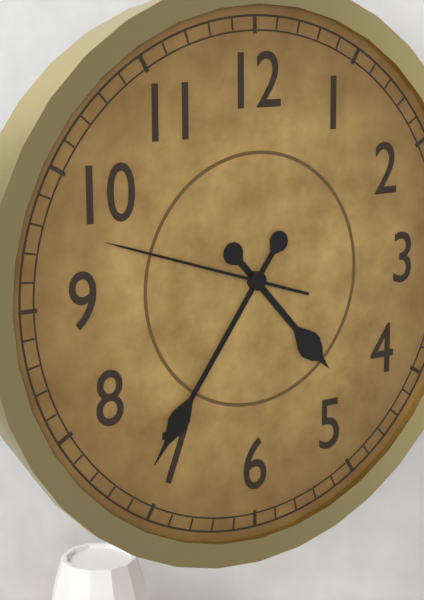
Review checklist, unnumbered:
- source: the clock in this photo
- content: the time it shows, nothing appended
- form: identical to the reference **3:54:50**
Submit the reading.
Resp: **4:36:48**
